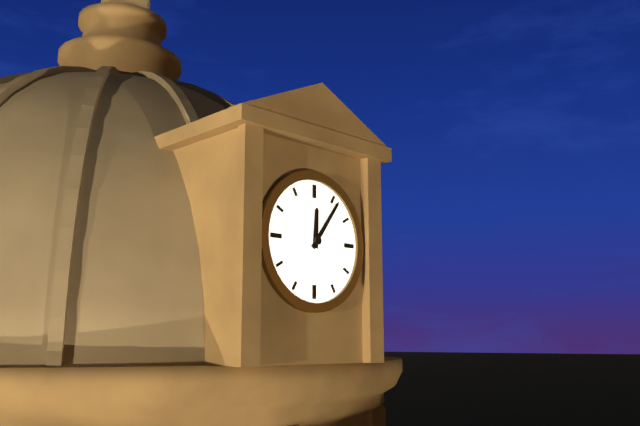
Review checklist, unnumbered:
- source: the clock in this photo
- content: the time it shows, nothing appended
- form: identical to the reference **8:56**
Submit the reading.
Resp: **12:06**
